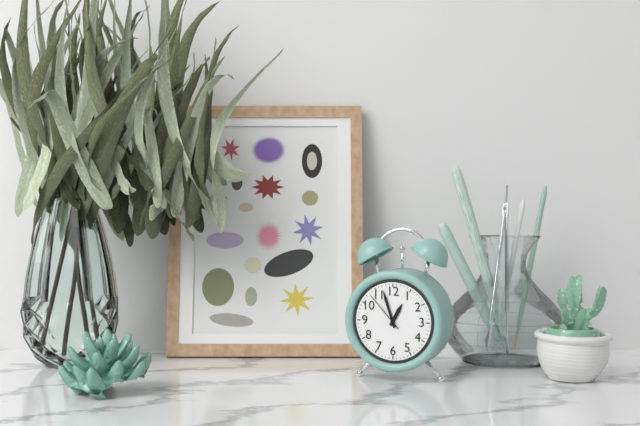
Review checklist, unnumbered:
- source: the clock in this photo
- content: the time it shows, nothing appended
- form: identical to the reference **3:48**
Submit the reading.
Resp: **12:57**
